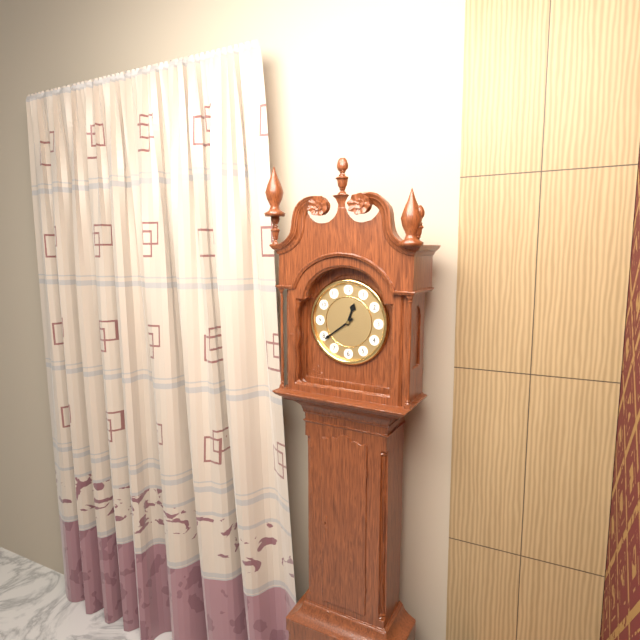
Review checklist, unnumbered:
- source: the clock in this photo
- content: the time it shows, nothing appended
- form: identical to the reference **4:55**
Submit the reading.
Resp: **12:39**
